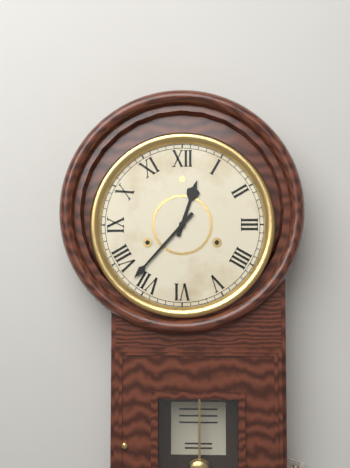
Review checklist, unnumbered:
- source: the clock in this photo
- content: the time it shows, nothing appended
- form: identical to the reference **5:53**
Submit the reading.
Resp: **12:37**
